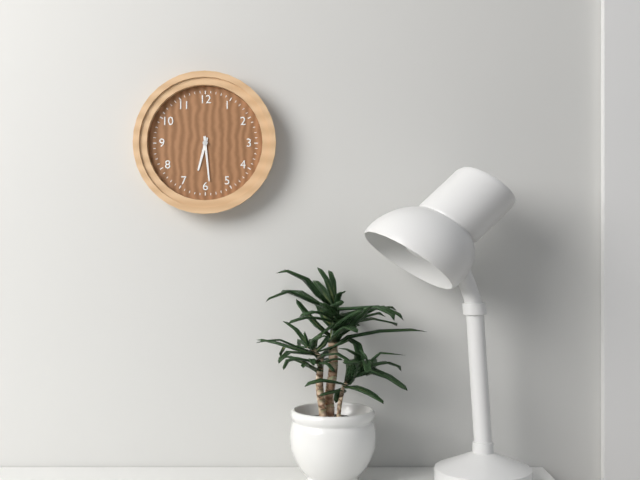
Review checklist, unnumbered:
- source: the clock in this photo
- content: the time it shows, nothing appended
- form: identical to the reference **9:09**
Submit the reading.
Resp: **6:29**
